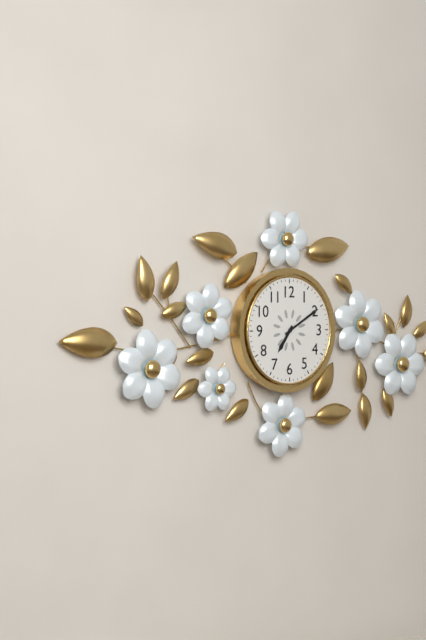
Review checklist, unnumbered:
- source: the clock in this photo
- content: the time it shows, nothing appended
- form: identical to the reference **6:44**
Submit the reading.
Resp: **7:10**
